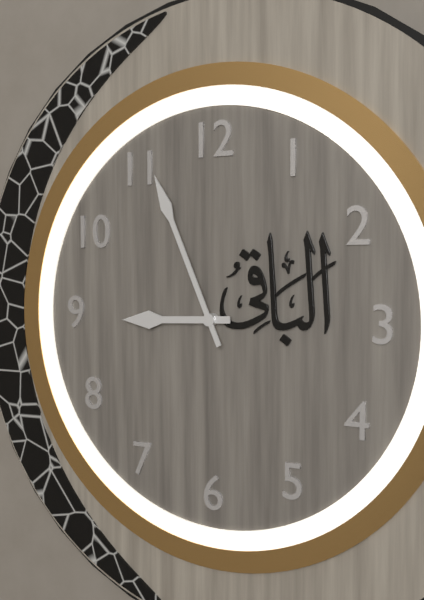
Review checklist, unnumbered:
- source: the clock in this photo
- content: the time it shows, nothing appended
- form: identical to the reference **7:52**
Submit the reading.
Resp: **8:56**
